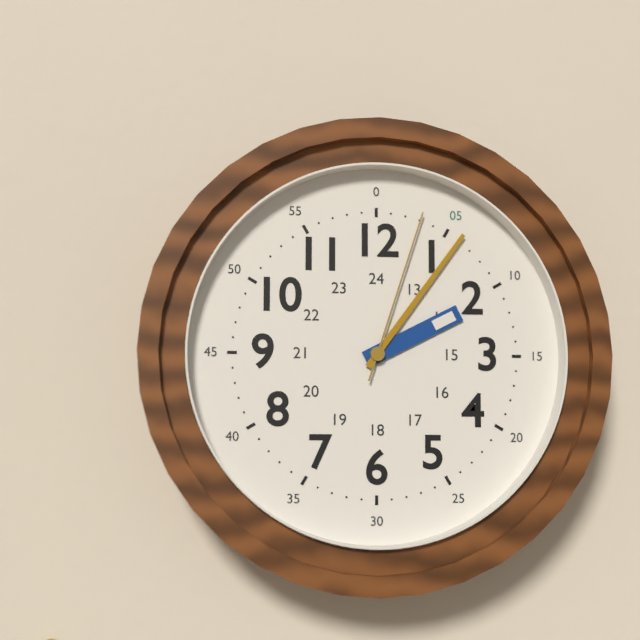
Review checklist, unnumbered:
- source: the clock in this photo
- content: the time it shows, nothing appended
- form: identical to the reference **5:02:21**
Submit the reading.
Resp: **2:06:03**
